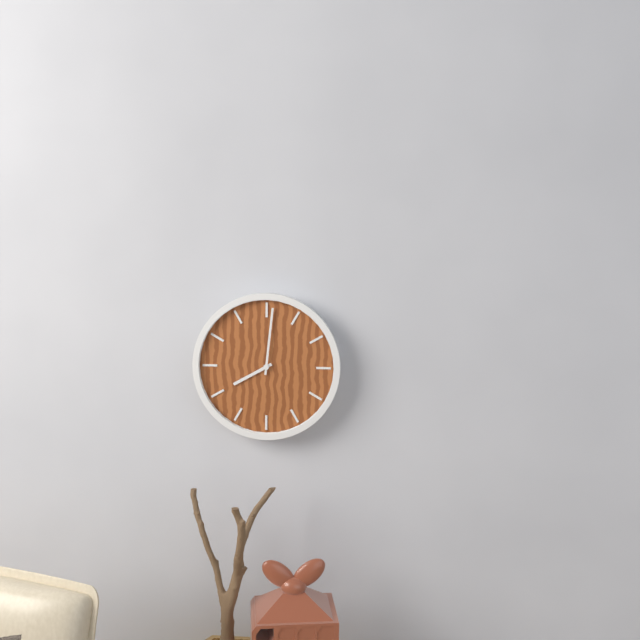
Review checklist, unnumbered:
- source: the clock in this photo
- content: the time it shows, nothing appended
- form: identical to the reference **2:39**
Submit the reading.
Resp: **8:01**
